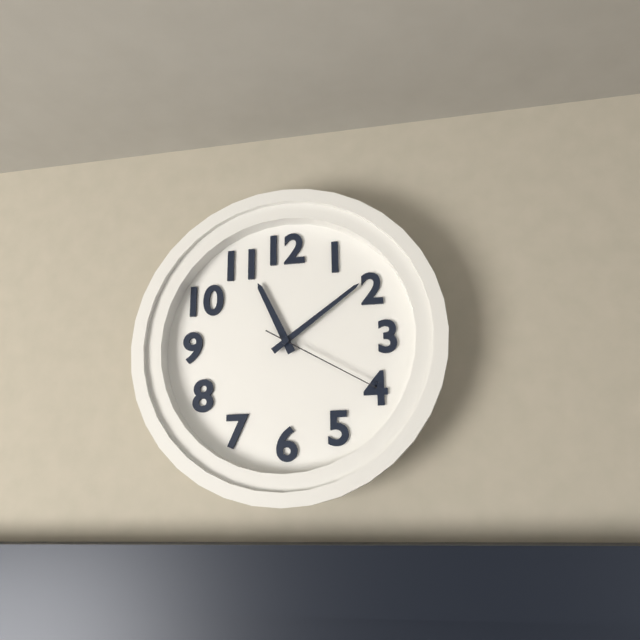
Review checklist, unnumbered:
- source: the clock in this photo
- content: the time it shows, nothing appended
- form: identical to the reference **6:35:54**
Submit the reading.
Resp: **11:09:20**
